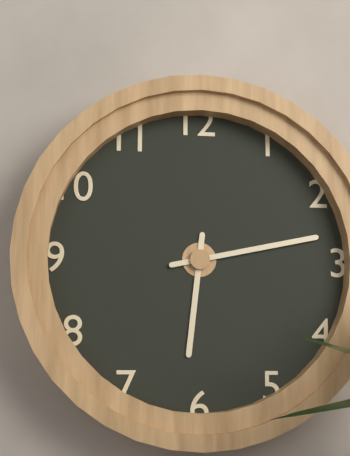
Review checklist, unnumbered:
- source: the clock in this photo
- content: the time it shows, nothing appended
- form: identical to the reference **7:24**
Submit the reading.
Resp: **6:13**
